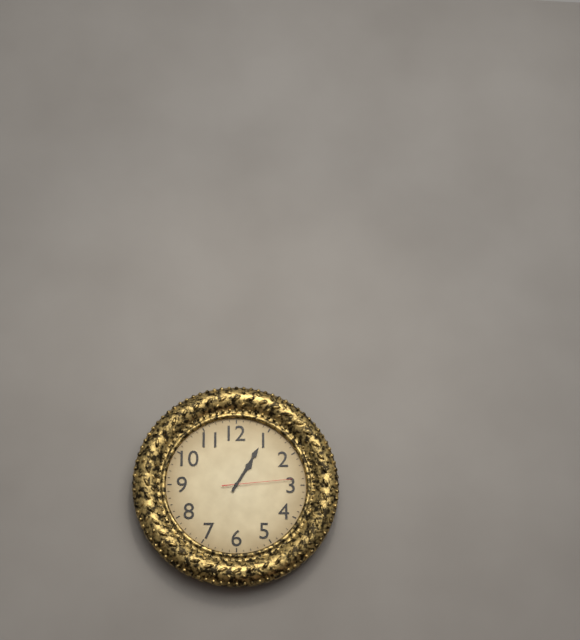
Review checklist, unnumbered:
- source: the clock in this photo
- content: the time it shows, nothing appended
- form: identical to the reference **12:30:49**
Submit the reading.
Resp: **1:05:14**
